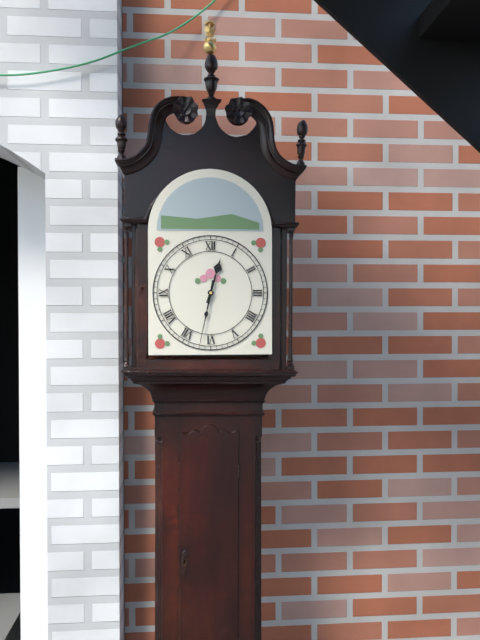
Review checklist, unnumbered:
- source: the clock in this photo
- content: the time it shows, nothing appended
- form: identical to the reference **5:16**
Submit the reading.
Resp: **12:32**
